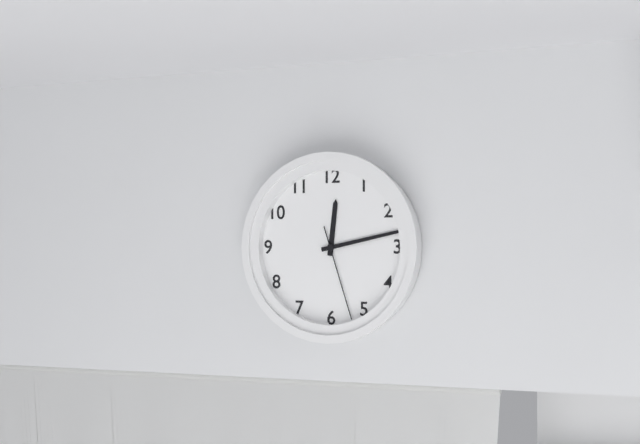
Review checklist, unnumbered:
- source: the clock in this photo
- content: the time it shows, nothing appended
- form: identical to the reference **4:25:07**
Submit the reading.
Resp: **12:13:27**
